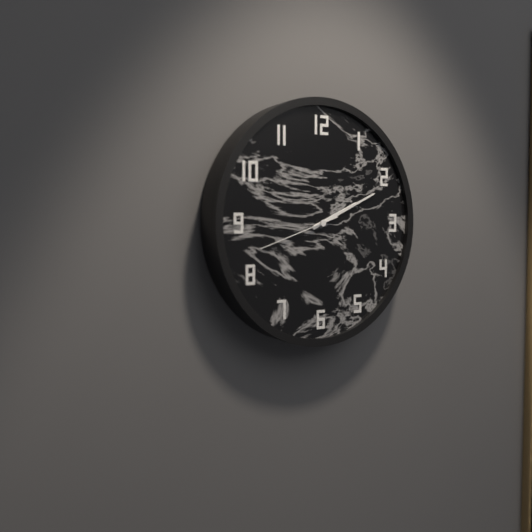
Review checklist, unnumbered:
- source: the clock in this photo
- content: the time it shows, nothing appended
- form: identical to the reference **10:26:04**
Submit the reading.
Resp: **2:11:42**
